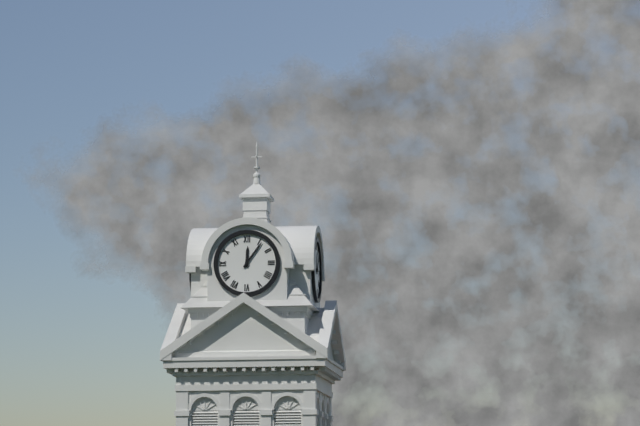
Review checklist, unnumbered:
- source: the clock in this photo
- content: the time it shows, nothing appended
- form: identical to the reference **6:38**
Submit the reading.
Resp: **12:06**
